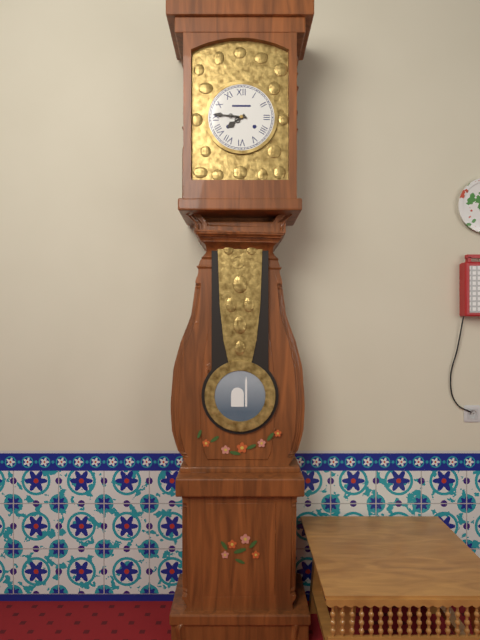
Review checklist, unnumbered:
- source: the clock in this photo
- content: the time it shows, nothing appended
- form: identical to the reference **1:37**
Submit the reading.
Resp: **7:46**
